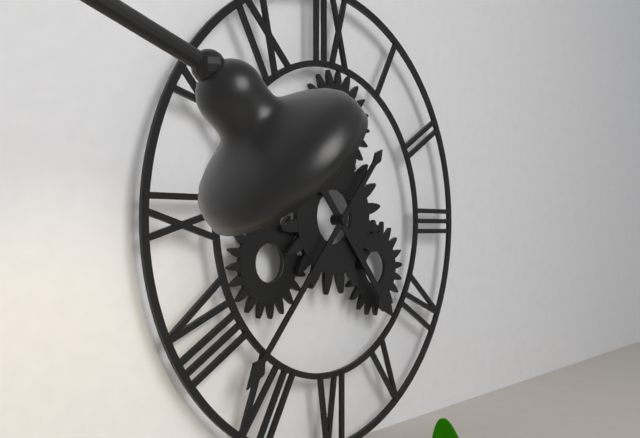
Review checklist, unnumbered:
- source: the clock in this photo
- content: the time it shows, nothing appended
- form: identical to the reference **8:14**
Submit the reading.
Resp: **4:37**
